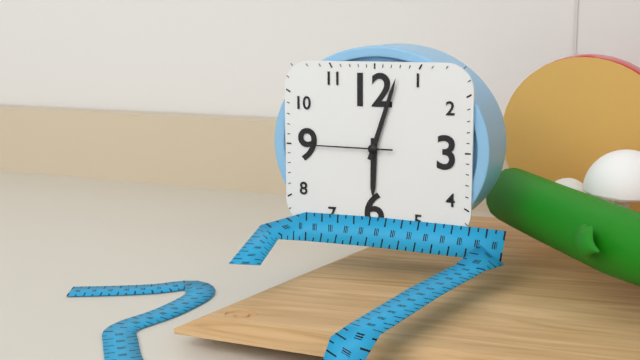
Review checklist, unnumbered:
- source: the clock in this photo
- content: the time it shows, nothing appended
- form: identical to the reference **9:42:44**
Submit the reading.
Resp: **6:03:45**
